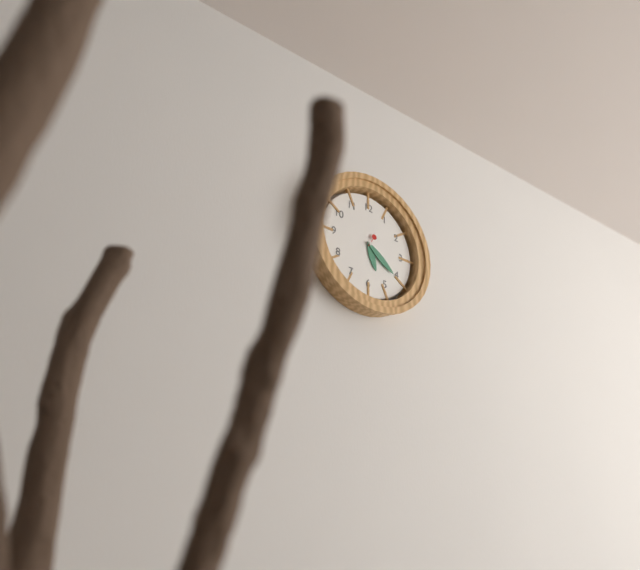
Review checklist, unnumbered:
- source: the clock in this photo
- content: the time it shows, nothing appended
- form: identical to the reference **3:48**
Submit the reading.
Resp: **5:21**
